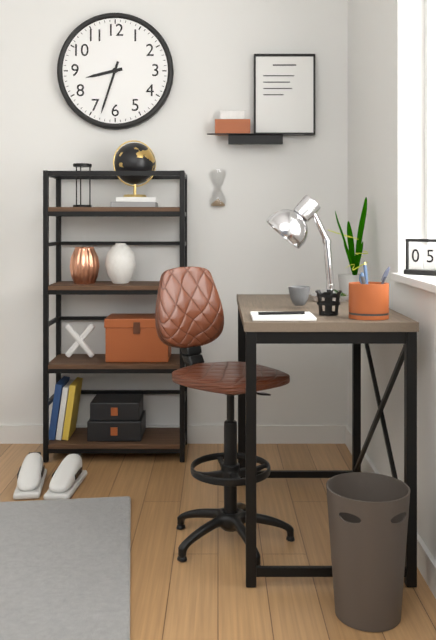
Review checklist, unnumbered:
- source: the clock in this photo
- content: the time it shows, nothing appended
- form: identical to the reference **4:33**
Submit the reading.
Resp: **8:33**
